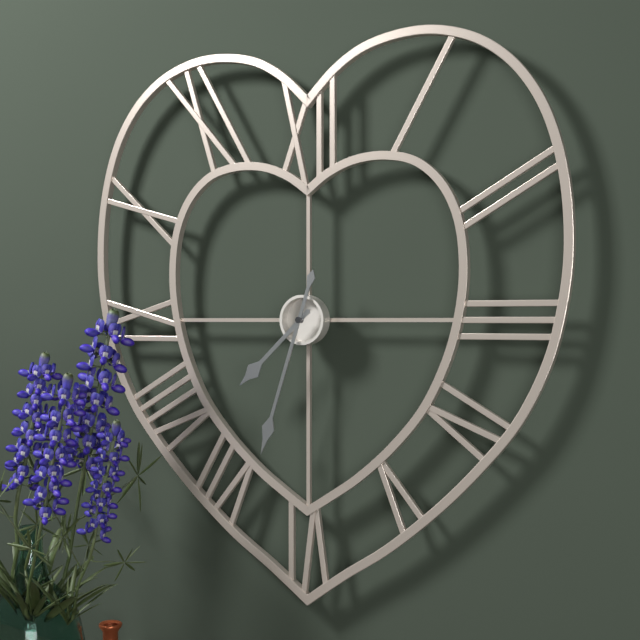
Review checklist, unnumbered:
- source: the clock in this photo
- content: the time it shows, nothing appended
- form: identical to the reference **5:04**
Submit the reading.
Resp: **7:33**
